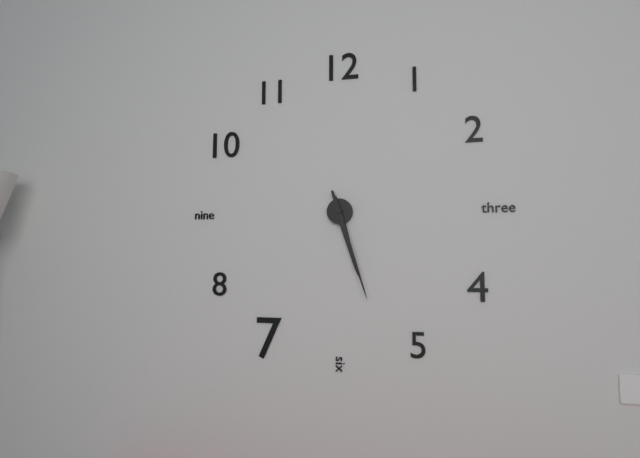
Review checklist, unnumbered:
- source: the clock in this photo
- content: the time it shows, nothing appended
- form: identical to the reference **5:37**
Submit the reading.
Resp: **5:27**
